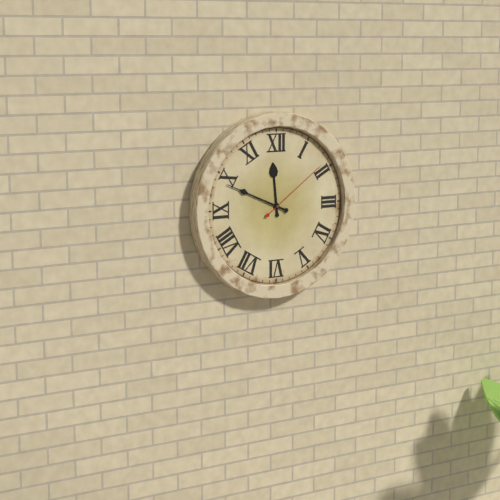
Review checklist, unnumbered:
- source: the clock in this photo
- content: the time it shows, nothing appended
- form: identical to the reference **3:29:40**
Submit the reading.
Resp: **11:49:09**
